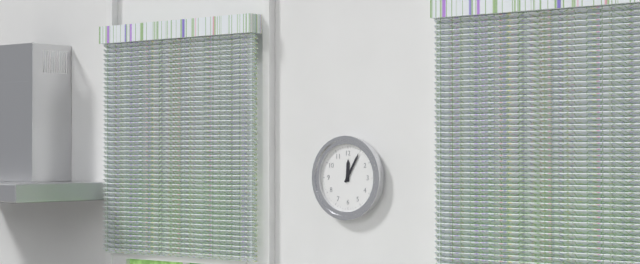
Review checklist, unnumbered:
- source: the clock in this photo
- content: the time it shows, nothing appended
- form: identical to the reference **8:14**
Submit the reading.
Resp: **12:05**
